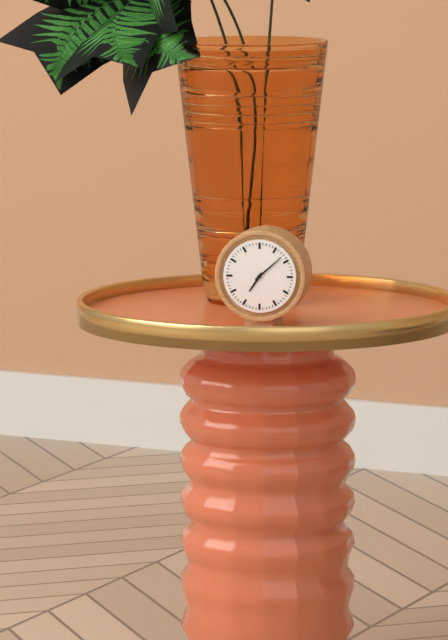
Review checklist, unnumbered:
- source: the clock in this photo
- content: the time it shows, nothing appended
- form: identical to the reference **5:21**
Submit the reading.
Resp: **7:08**
